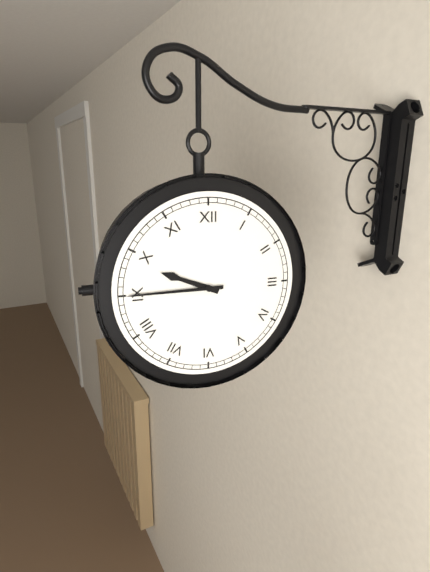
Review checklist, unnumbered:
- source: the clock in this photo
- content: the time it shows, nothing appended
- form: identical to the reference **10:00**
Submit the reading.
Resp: **9:45**
